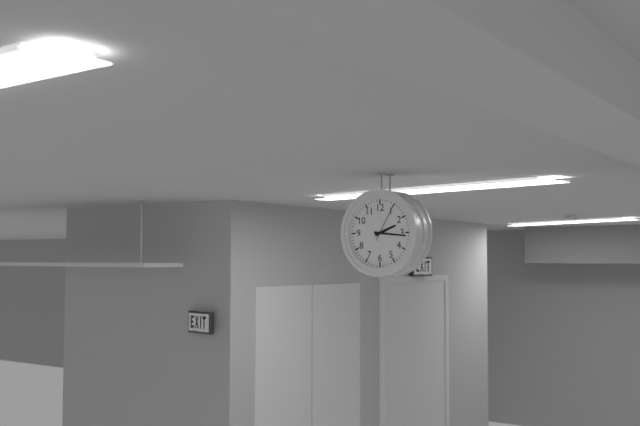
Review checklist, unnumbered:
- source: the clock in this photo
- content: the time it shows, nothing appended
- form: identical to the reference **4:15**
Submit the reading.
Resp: **2:16**
